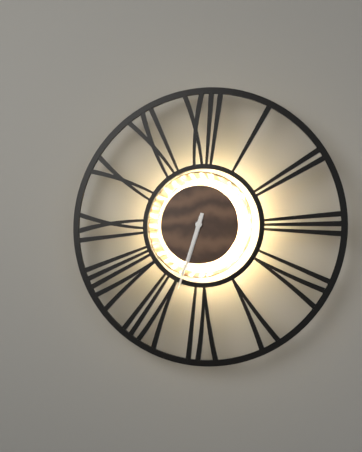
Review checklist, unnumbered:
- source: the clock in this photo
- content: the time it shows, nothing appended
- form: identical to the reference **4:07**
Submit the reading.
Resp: **6:33**
